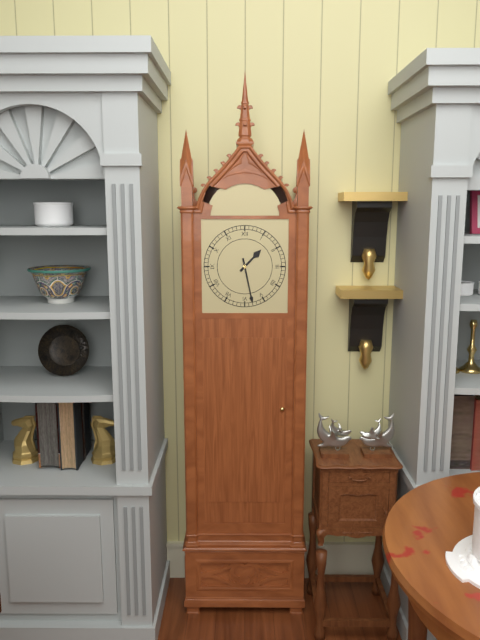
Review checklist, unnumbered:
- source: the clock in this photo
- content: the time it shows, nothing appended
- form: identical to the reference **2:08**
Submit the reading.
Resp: **1:28**
